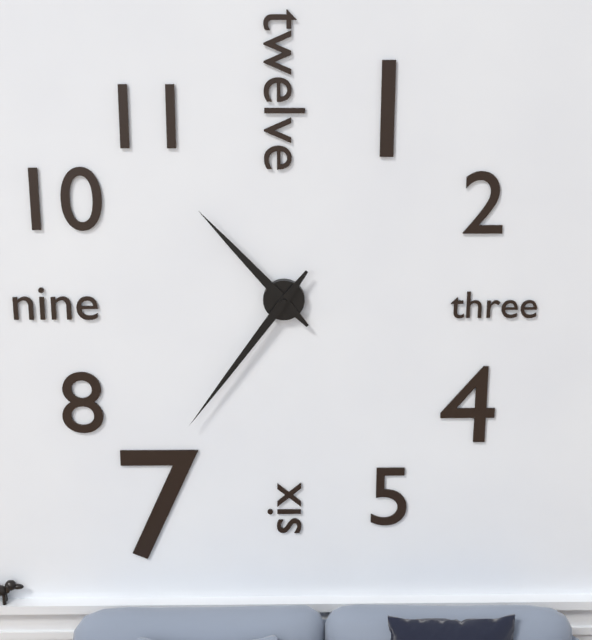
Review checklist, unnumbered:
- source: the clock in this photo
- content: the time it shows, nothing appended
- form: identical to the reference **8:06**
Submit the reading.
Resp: **10:36**
